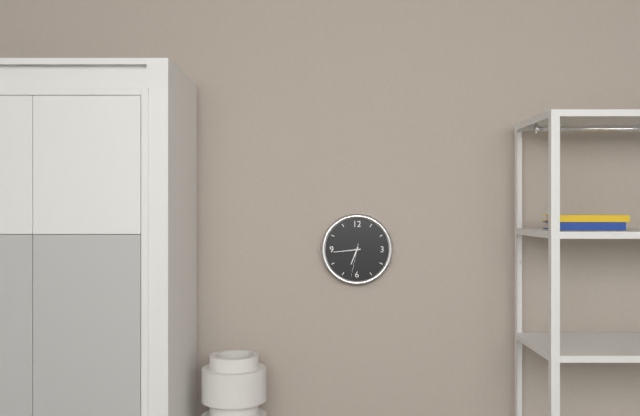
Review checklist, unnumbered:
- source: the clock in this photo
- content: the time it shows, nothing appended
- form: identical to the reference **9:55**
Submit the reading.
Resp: **6:44**
